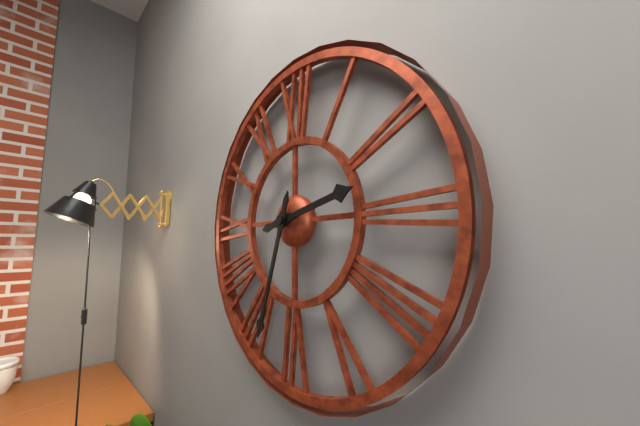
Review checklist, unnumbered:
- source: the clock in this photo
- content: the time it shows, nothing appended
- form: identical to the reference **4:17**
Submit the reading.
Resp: **2:33**
